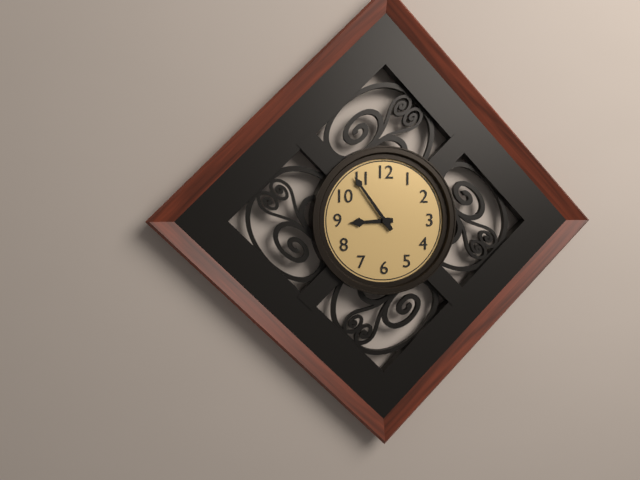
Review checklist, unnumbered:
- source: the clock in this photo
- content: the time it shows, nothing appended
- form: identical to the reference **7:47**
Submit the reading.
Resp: **8:54**
